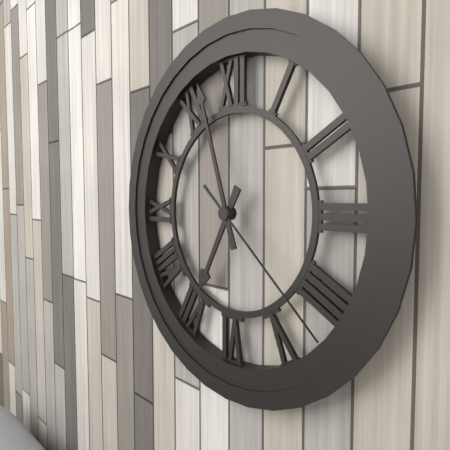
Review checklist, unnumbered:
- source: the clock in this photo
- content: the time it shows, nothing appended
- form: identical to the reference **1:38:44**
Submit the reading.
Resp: **6:57:22**
